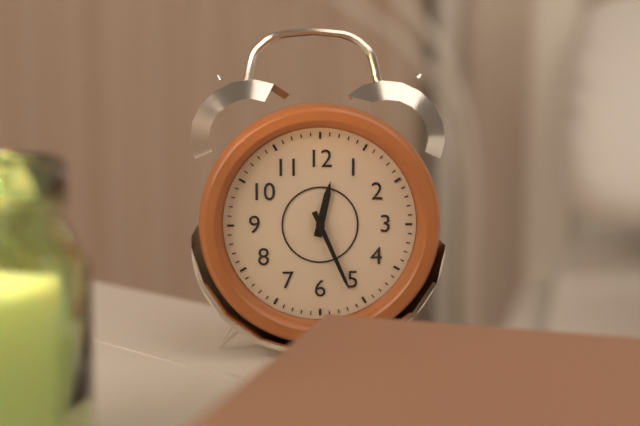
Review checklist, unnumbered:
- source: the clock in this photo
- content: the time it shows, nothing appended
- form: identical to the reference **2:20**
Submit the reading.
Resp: **12:26**
